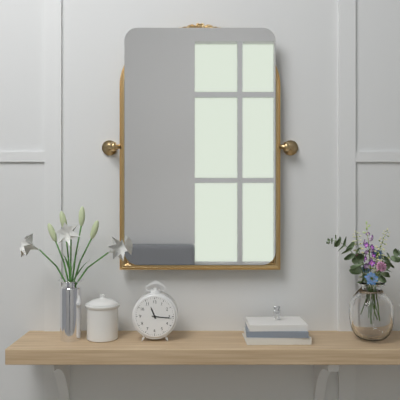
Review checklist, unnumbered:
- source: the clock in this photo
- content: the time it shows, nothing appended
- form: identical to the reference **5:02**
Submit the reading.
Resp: **11:16**
